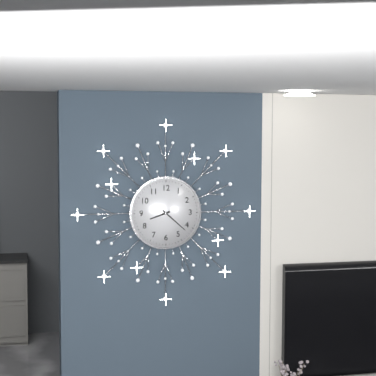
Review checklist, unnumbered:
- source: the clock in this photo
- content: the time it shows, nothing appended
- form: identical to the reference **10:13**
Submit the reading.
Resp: **8:22**
